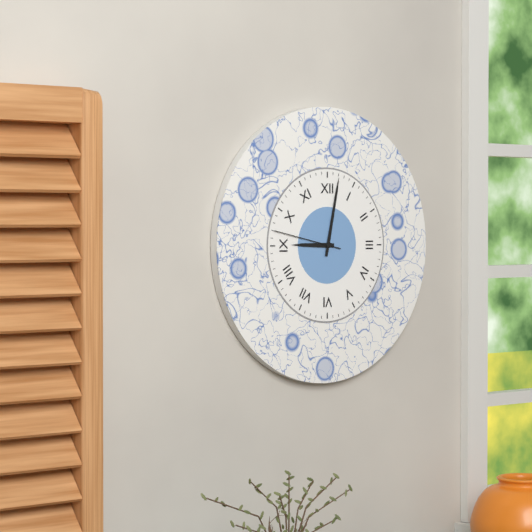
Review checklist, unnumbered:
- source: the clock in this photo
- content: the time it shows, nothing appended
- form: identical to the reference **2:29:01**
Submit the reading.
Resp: **9:02:47**
